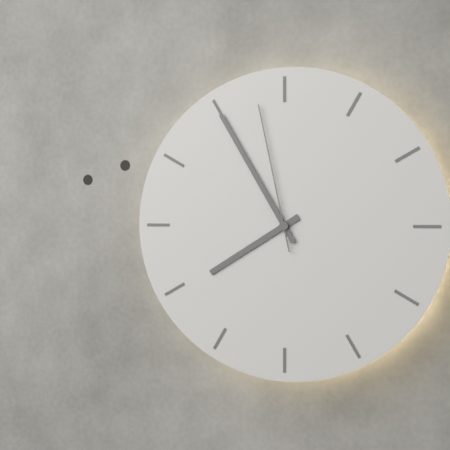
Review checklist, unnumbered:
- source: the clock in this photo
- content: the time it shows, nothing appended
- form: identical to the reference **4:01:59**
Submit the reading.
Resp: **7:55:58**
